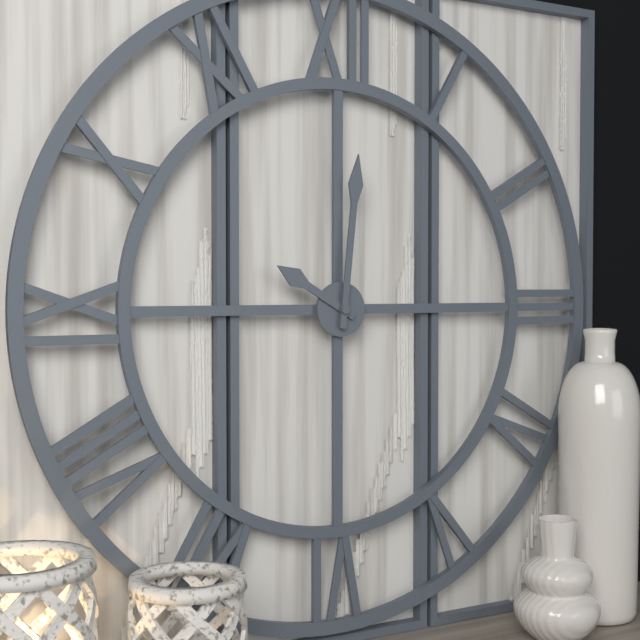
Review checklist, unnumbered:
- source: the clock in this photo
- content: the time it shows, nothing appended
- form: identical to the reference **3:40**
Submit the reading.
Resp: **10:01**
